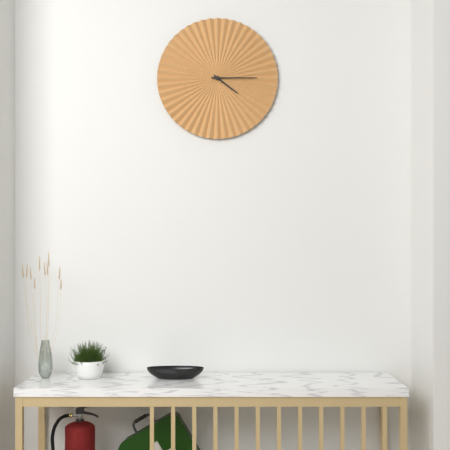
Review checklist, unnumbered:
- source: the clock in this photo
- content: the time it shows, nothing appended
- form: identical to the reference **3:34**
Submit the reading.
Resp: **4:15**
